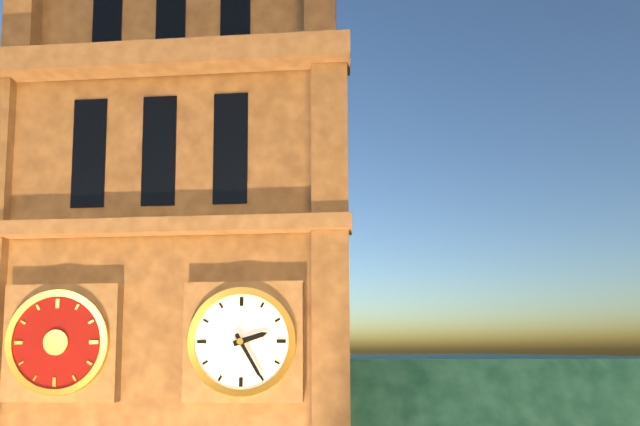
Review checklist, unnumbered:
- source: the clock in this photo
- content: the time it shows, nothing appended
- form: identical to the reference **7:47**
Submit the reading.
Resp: **2:25**
